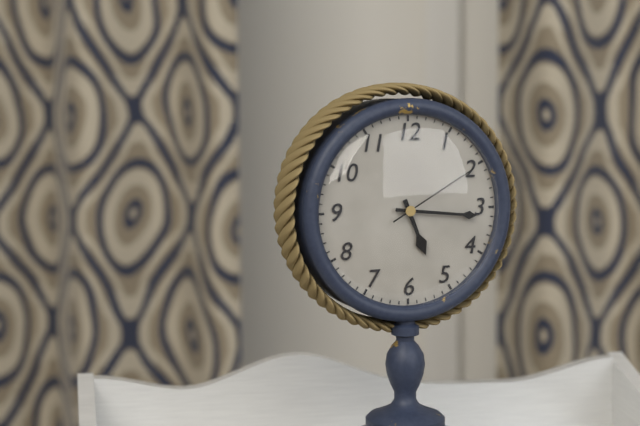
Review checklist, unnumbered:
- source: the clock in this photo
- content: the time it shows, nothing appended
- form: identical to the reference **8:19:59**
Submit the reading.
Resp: **5:16:10**
